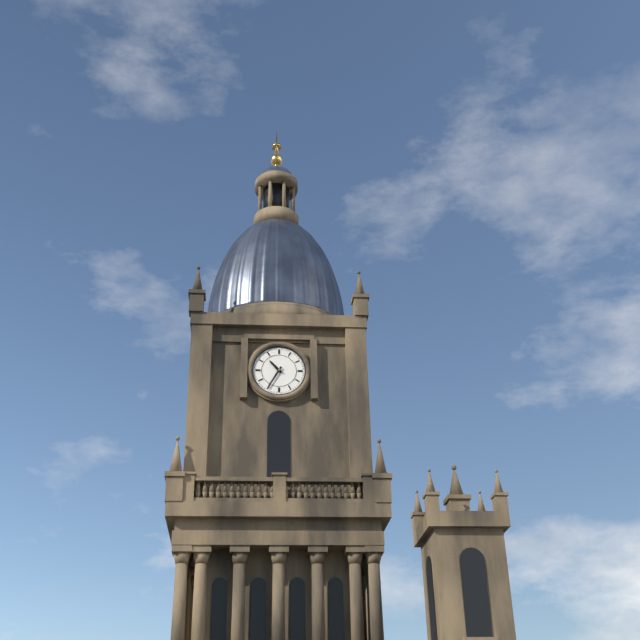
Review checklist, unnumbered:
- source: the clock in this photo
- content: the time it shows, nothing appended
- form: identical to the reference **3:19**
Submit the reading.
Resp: **10:35**
